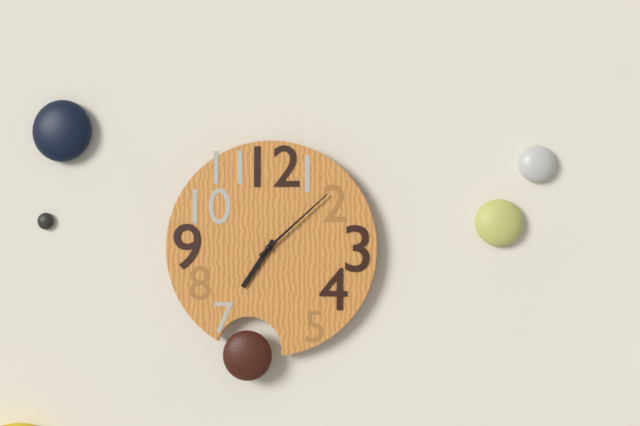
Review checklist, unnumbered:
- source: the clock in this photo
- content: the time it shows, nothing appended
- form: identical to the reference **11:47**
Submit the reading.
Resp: **7:08**
